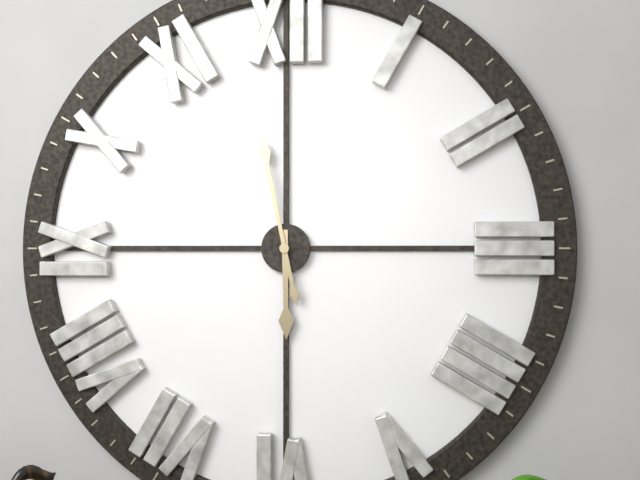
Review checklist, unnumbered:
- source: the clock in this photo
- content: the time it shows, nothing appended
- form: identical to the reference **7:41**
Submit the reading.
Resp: **5:58**
